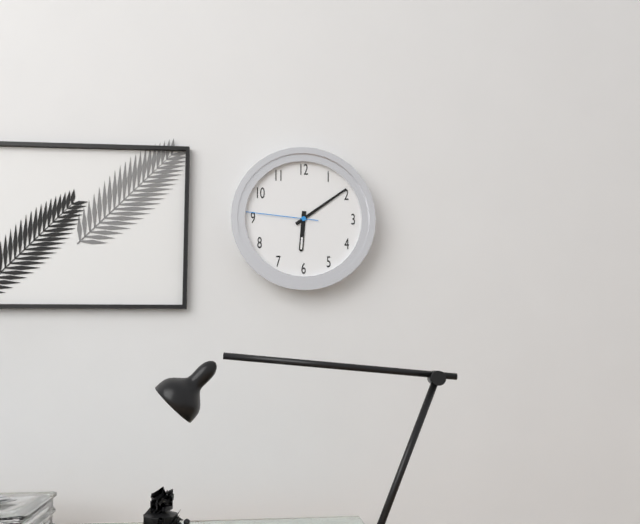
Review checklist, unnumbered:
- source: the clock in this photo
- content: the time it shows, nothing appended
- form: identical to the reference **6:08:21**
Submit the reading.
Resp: **6:09:46**
